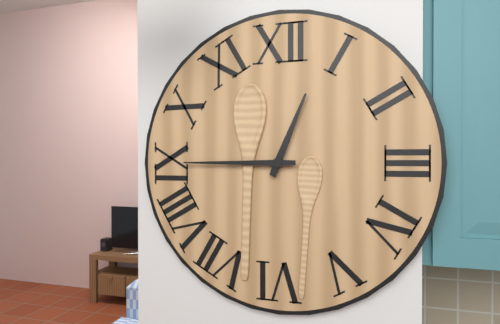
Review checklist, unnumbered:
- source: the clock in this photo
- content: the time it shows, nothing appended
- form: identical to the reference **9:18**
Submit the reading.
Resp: **12:45**
